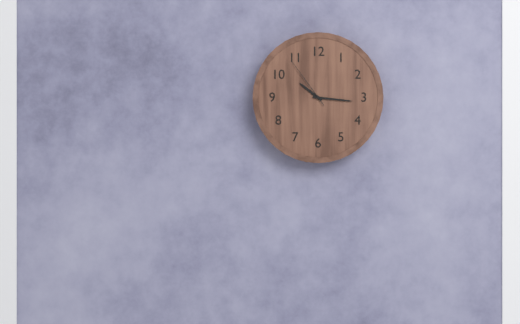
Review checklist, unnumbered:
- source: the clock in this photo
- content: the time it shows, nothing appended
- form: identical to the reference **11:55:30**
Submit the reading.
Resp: **10:16:54**
